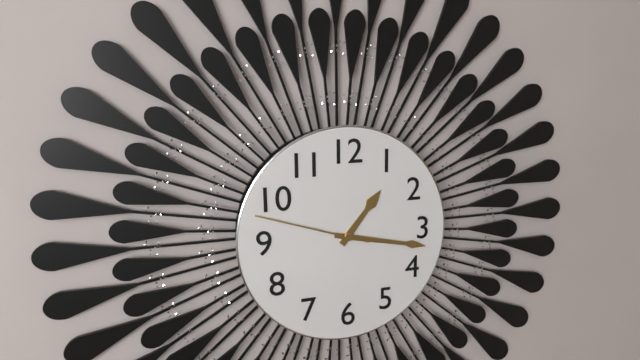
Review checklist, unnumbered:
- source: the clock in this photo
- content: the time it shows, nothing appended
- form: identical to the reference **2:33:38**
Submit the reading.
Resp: **1:17:48**
